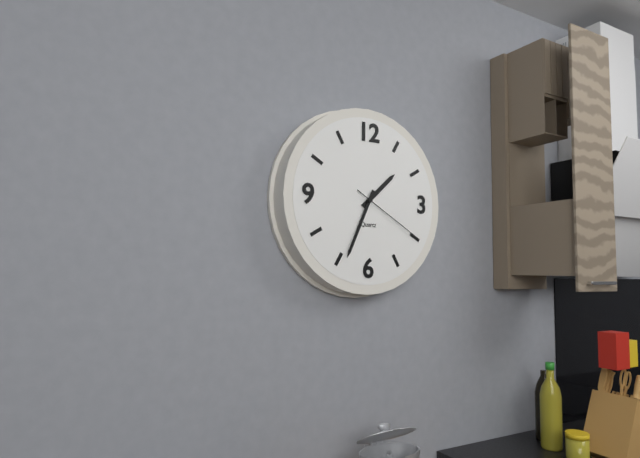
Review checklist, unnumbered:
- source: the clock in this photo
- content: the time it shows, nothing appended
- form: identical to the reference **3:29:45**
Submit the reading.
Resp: **1:34:20**
